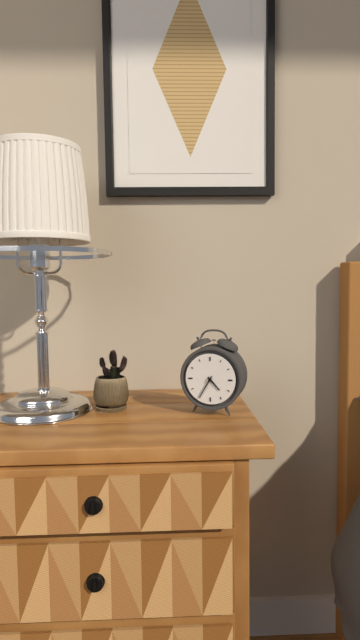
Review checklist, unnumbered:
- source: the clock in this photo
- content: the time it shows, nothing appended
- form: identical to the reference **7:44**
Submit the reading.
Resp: **4:35**
